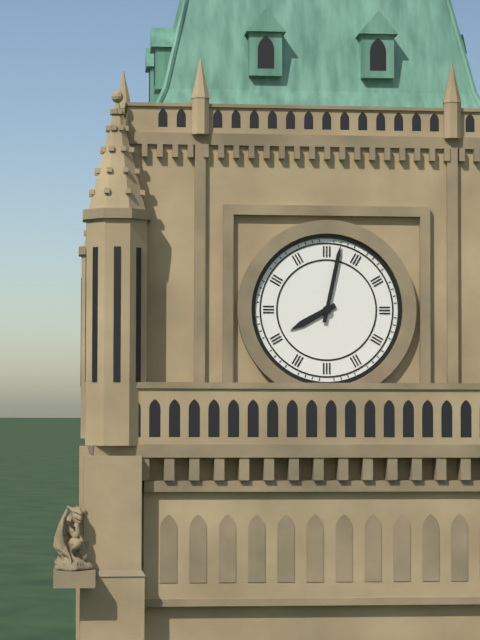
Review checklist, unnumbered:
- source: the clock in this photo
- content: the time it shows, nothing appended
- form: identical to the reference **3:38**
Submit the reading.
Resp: **8:02**
